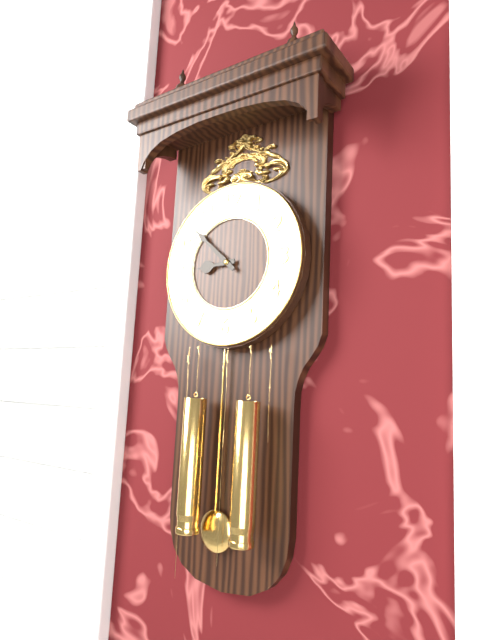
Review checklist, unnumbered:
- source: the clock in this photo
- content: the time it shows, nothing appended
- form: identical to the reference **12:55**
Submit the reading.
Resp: **8:52**
